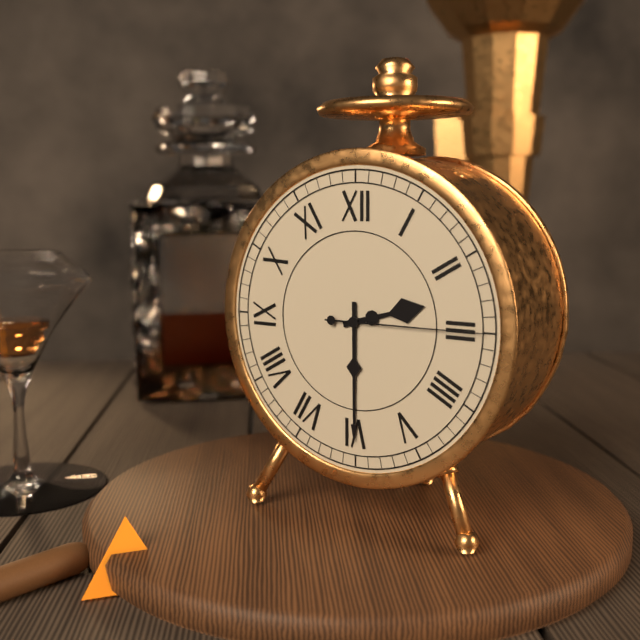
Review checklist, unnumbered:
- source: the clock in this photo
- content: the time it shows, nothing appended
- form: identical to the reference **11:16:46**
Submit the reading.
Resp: **2:30:15**
